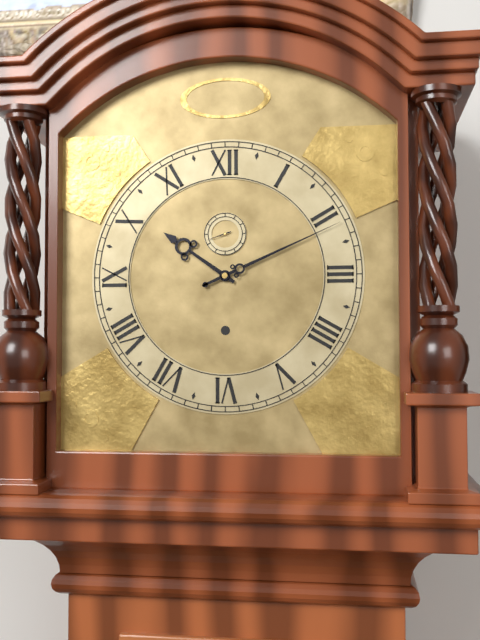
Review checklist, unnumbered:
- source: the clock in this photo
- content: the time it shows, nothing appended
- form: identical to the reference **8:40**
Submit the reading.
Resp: **10:11**
